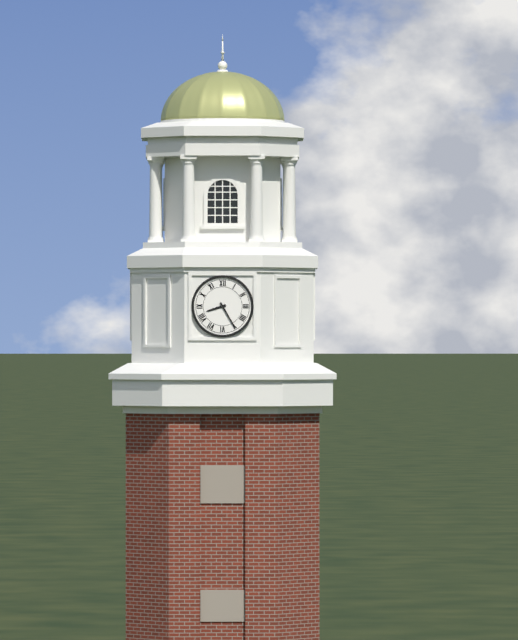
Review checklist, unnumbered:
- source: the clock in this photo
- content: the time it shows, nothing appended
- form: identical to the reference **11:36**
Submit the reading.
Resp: **8:25**
